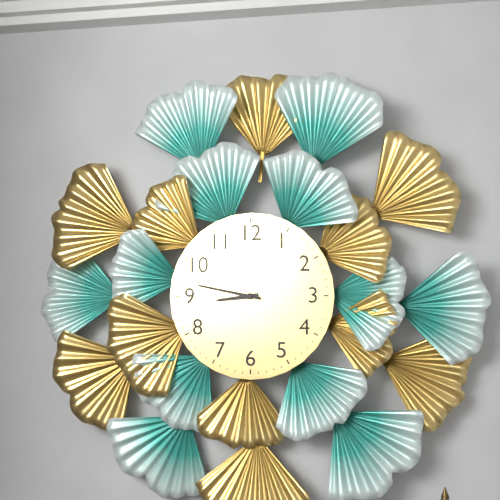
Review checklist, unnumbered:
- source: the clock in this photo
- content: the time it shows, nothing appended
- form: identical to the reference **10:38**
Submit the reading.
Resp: **8:47**
